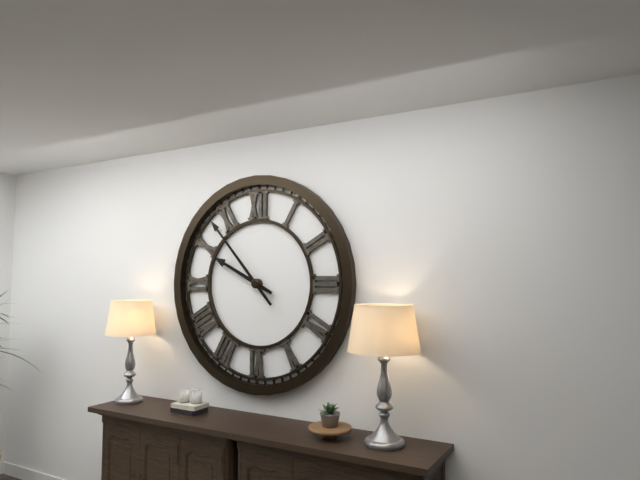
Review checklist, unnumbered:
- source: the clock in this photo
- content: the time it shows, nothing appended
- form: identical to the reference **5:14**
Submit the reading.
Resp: **9:53**
